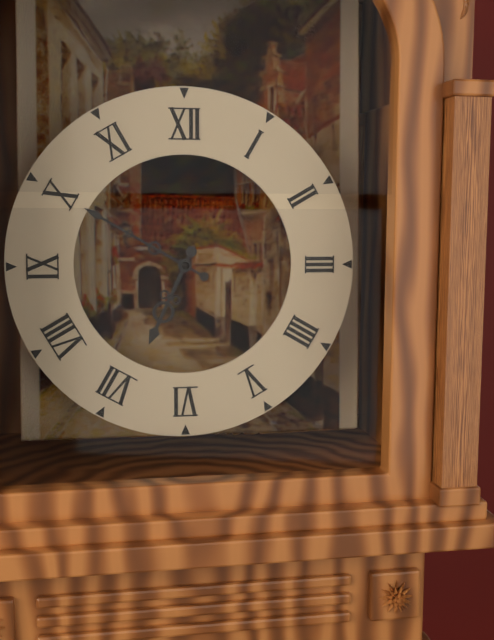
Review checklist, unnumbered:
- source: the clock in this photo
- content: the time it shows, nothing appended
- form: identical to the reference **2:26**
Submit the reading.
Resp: **6:50**
